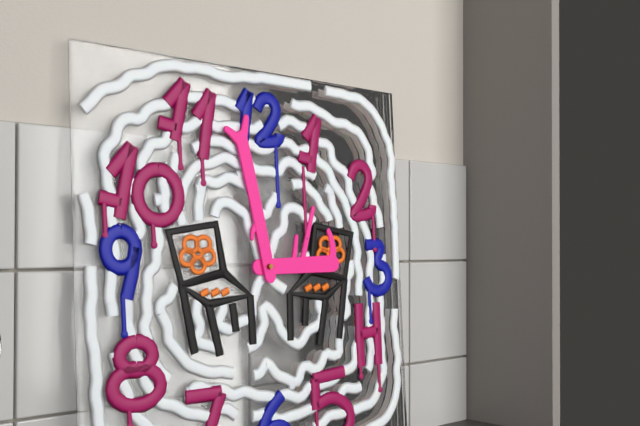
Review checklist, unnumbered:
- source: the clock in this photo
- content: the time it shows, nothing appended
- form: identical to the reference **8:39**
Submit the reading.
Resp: **2:58**
